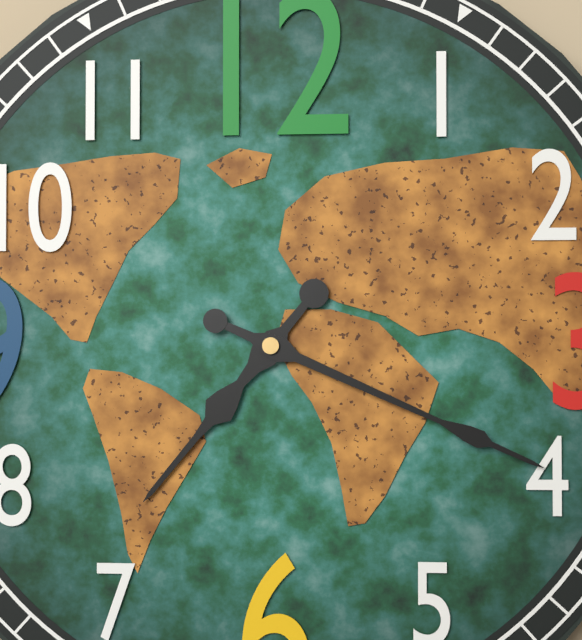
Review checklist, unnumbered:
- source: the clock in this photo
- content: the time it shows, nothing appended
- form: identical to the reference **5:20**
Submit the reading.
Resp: **7:19**
